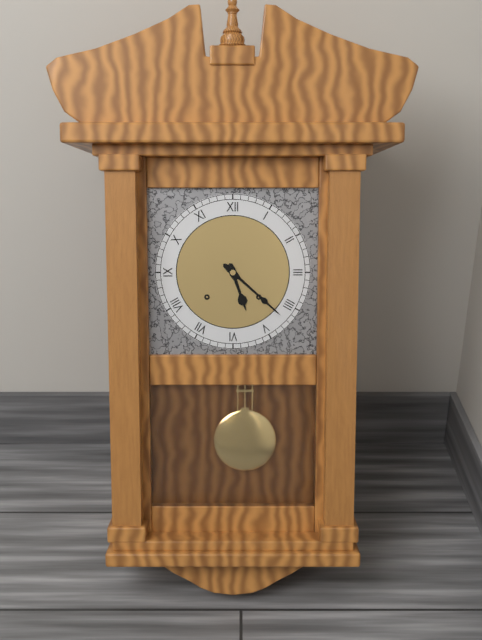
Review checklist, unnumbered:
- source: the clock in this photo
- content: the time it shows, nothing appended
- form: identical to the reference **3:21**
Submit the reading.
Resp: **5:22**
